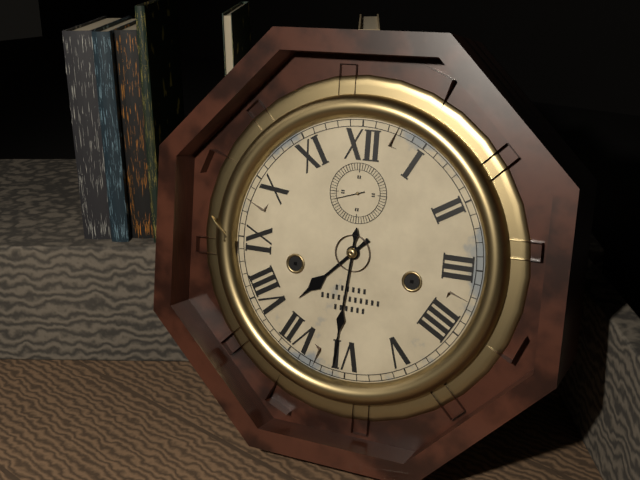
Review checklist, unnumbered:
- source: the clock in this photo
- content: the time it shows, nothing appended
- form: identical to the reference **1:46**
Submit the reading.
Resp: **7:31**
